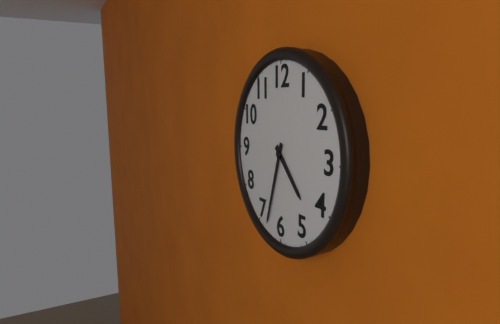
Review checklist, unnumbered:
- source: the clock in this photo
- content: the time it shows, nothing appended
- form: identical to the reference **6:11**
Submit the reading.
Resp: **4:33**
